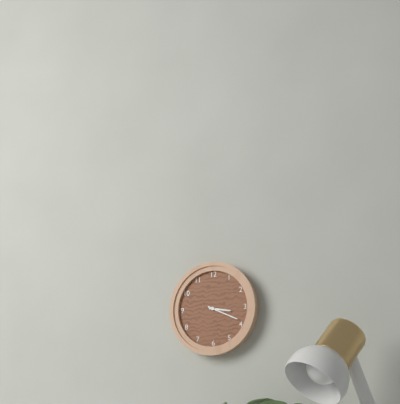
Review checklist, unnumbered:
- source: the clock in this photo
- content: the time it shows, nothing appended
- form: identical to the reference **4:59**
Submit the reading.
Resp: **3:19**
